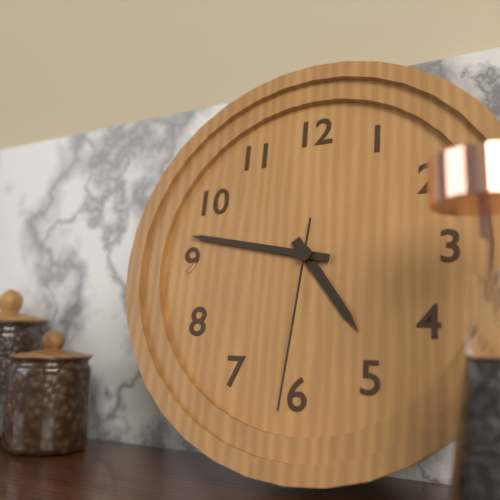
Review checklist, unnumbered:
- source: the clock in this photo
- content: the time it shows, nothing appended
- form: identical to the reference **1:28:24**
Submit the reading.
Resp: **4:47:31**
